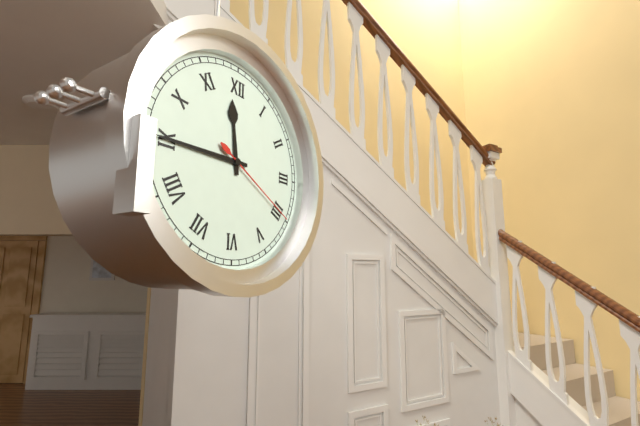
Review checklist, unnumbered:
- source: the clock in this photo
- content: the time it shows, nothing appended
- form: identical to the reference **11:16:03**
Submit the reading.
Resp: **11:45:20**
